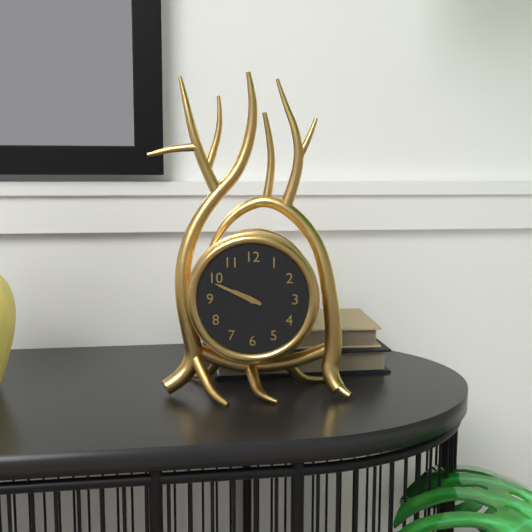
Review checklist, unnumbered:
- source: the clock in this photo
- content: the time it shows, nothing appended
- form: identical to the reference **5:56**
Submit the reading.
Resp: **9:49**
